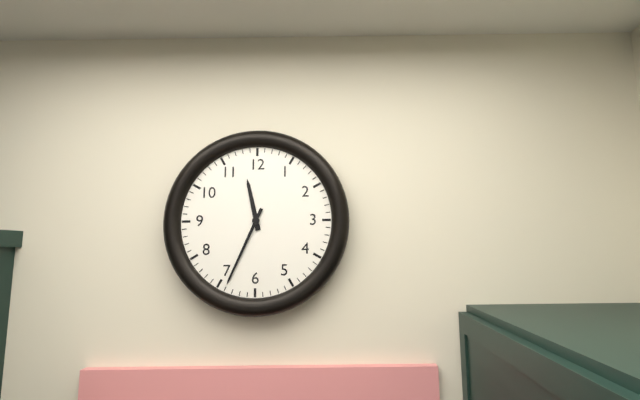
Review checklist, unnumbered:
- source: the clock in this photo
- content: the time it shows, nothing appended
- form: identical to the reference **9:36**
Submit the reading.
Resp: **11:34**
